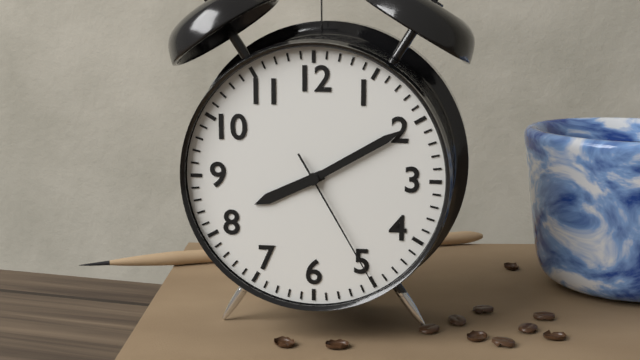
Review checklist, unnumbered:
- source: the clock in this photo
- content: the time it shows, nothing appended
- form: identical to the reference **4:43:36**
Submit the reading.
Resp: **8:10:25**
